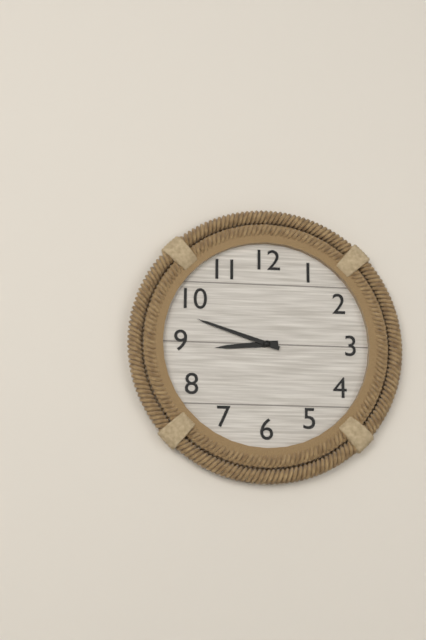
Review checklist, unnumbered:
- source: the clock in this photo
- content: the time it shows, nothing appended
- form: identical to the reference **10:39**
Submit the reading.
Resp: **8:48**
